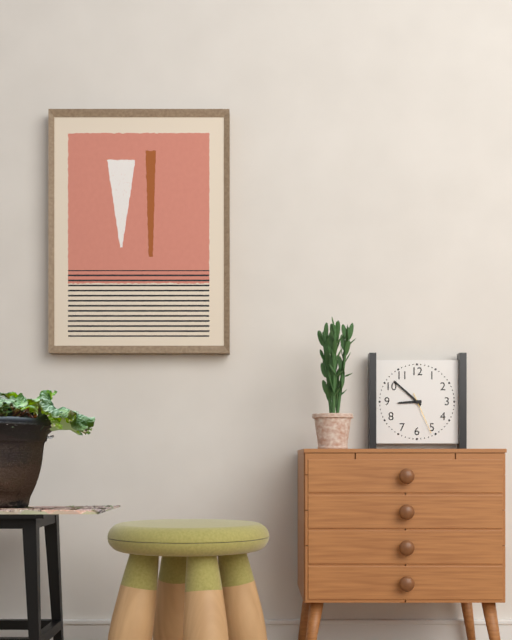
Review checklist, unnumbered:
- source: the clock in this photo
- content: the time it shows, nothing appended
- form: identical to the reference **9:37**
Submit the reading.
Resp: **8:52**
